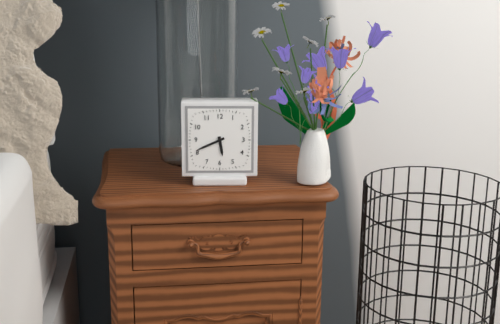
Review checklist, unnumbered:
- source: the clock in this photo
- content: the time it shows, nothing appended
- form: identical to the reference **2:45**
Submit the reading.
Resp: **5:41**
